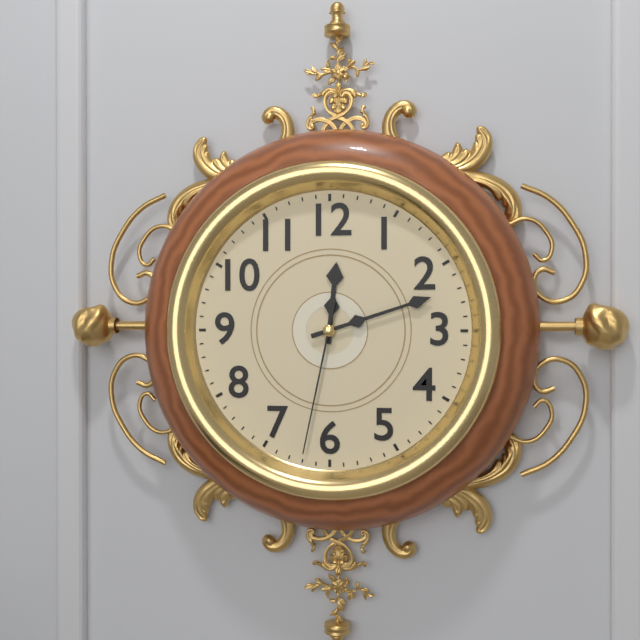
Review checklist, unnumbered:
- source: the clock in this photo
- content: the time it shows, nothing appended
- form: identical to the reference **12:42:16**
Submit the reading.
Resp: **12:12:32**
